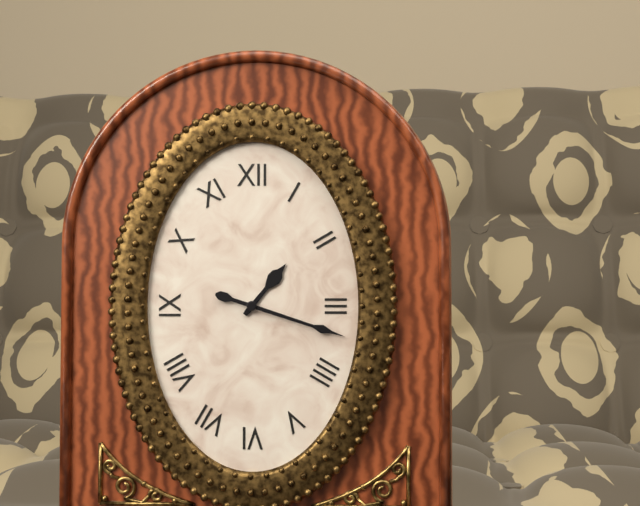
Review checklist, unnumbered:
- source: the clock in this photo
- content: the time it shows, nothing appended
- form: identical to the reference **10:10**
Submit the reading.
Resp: **1:18**
